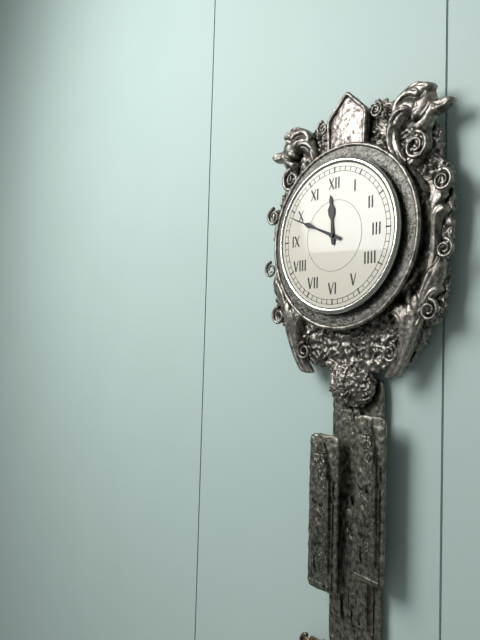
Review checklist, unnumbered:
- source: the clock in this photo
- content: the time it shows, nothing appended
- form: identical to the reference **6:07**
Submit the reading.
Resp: **11:49**
